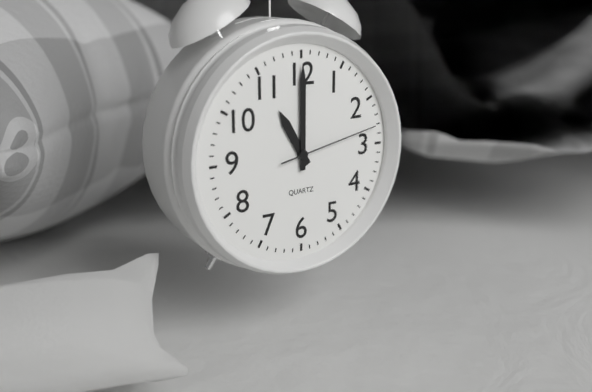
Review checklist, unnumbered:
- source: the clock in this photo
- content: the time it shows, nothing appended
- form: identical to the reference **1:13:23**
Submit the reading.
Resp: **11:00:13**
